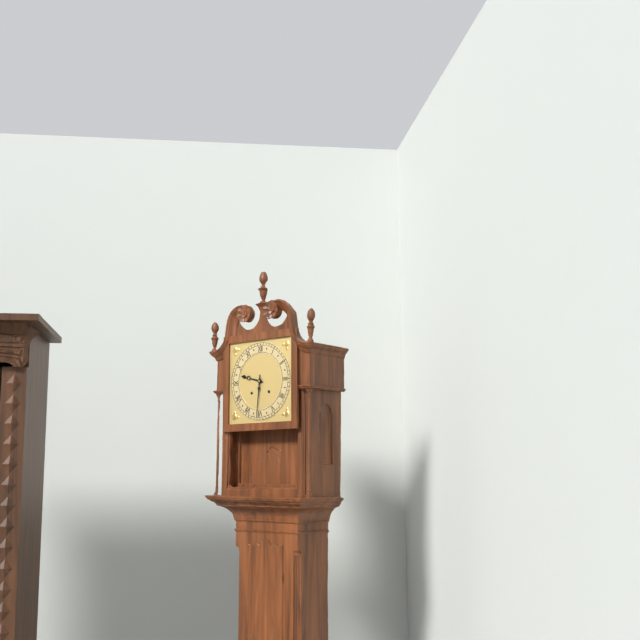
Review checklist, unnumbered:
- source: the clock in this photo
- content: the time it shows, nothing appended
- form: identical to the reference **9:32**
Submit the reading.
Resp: **9:31**
